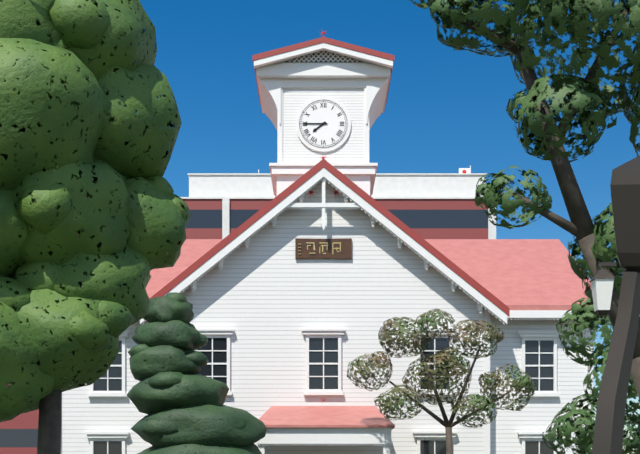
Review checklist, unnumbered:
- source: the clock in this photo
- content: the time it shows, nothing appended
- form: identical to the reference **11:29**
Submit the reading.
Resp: **7:45**
